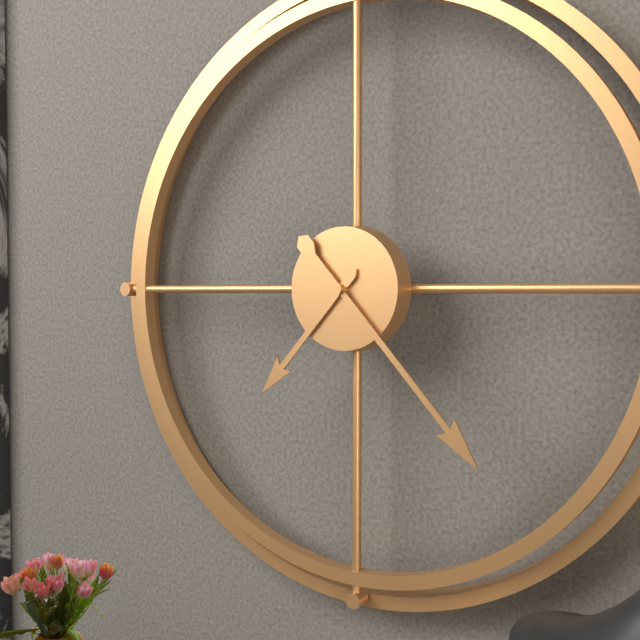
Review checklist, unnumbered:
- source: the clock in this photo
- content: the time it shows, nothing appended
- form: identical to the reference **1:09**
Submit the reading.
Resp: **7:23**
